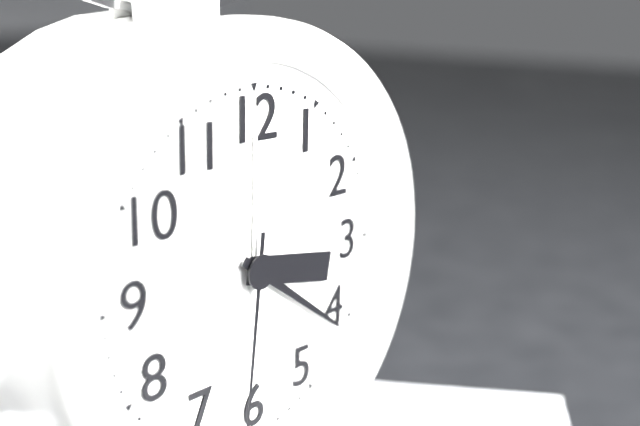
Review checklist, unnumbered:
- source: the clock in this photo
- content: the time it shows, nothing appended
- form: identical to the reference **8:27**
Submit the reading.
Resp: **3:21**
